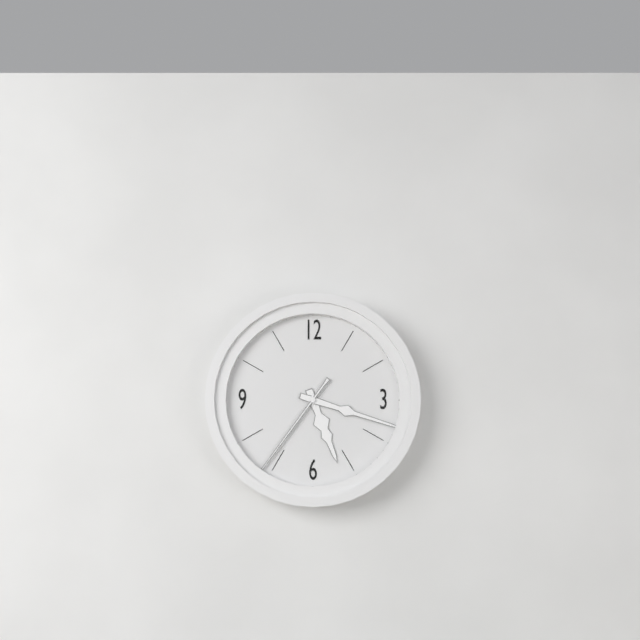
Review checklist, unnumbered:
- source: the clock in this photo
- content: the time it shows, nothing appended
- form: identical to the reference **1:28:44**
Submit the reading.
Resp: **5:18:36**
